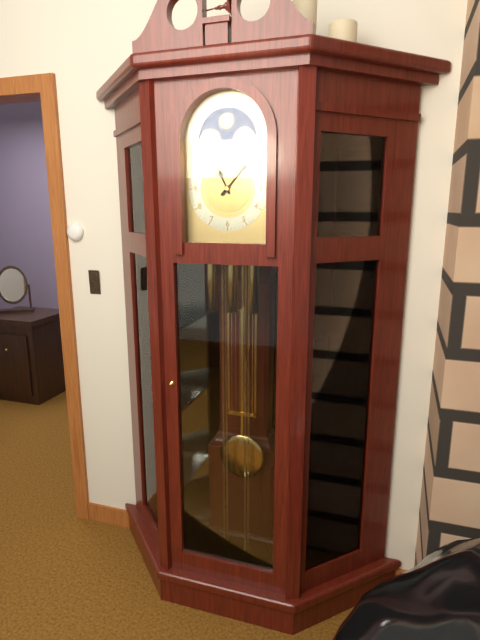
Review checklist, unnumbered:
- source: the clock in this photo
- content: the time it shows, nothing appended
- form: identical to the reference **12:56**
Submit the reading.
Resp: **11:07**
